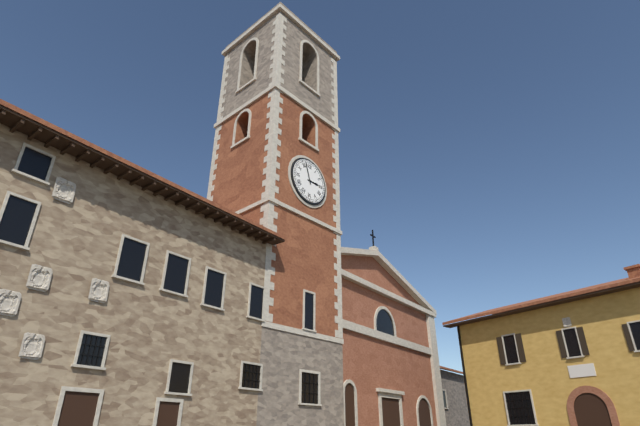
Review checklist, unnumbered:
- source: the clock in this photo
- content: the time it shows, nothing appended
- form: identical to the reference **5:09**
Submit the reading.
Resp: **2:57**
